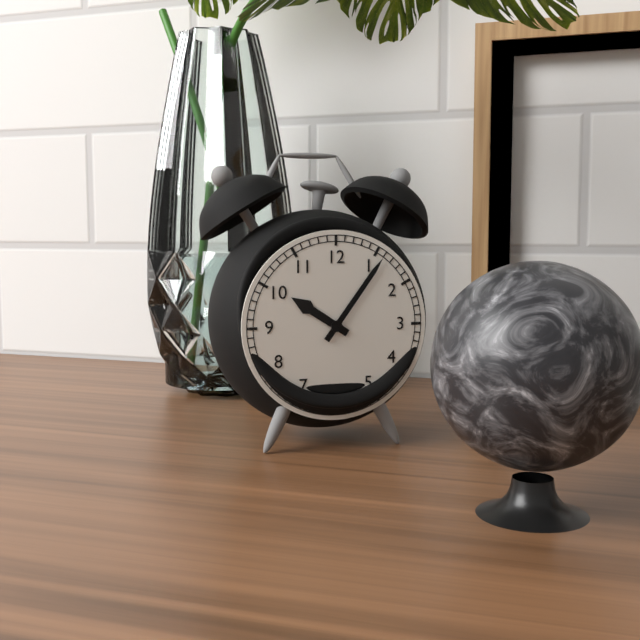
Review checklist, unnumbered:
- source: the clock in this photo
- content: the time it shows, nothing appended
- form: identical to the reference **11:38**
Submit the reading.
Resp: **10:06**
